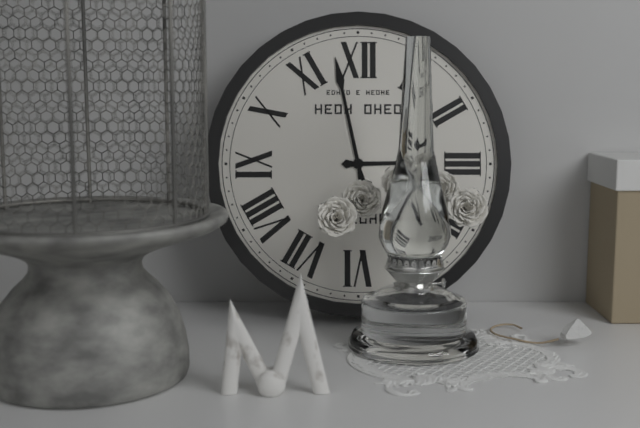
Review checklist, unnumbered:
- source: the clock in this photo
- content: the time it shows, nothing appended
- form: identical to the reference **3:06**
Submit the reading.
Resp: **2:58**
